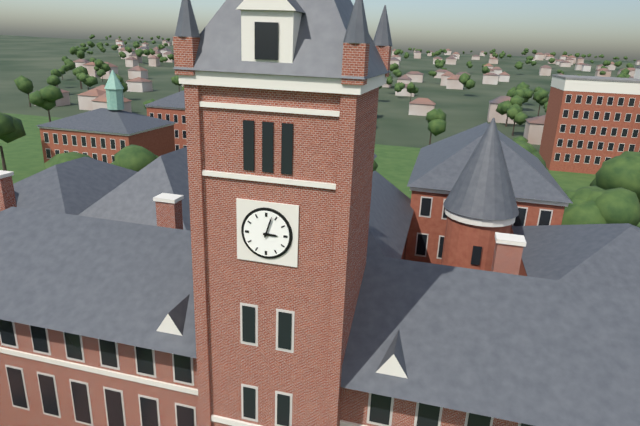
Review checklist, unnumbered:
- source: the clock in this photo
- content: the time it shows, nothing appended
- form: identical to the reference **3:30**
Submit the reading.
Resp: **3:03**
